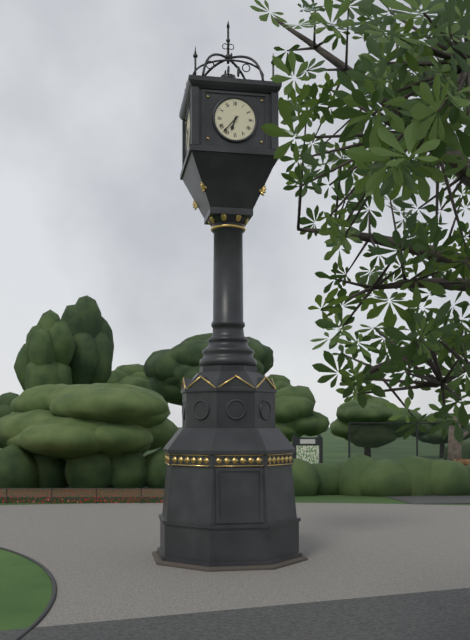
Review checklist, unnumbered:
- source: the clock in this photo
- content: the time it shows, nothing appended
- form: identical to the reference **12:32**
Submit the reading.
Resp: **6:37**
